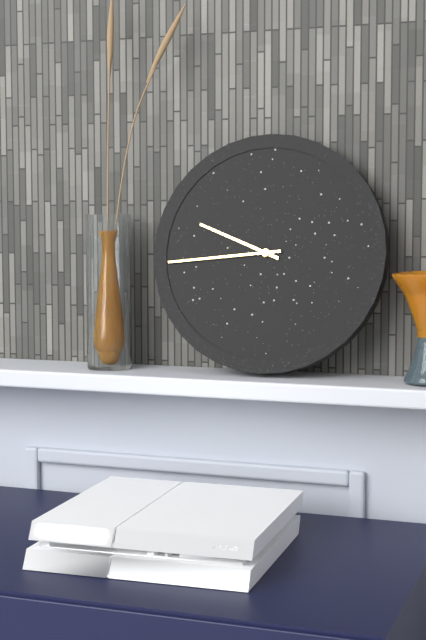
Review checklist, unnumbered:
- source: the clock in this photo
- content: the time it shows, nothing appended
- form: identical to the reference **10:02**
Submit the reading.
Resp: **9:44**
